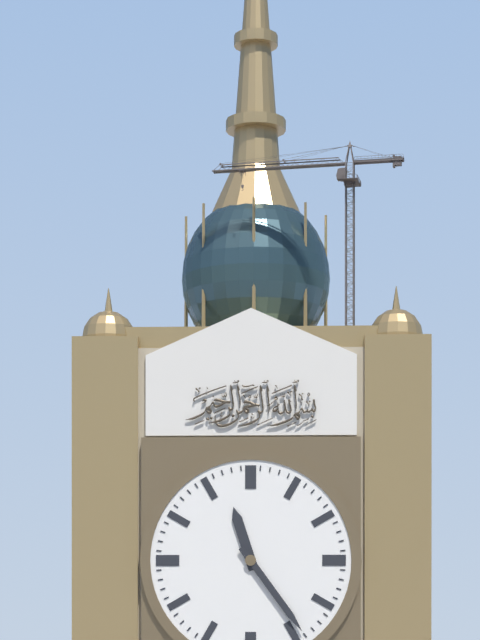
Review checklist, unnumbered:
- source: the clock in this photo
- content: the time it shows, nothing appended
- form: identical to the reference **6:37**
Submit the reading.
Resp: **11:24**
